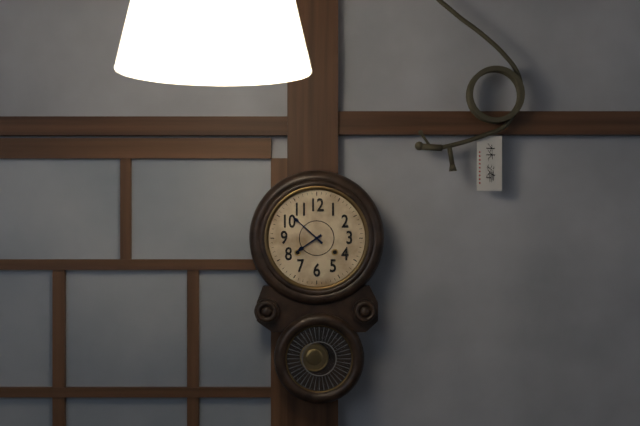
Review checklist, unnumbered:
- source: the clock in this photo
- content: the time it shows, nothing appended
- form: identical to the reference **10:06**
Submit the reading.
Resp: **7:52**
